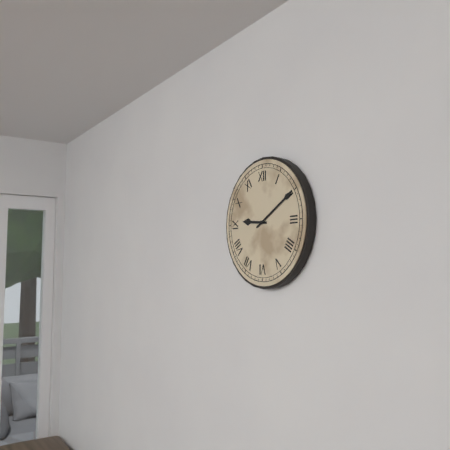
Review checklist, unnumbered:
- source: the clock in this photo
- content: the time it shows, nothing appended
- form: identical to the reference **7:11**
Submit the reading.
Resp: **9:10**
